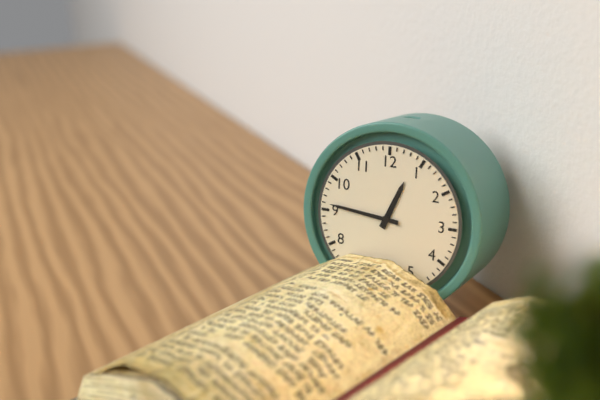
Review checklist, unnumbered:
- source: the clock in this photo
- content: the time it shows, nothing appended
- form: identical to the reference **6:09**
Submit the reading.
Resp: **12:46**
